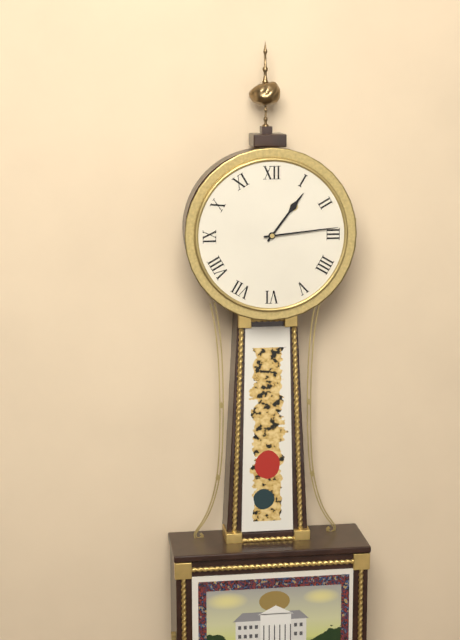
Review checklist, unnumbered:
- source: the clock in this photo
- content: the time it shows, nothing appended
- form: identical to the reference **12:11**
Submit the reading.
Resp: **1:14**
